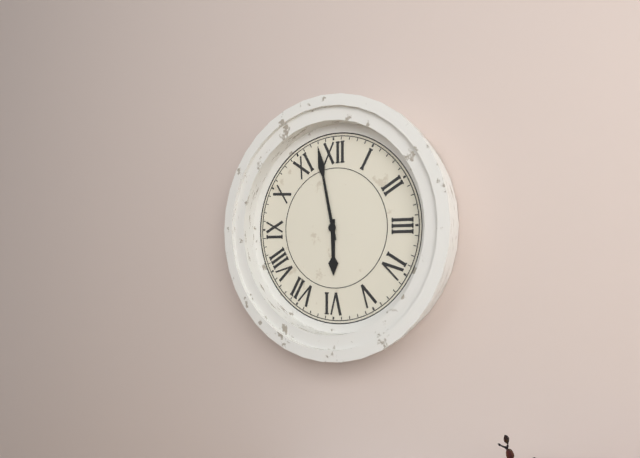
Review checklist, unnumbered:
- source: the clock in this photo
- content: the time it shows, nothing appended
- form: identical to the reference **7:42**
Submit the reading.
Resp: **5:58**
